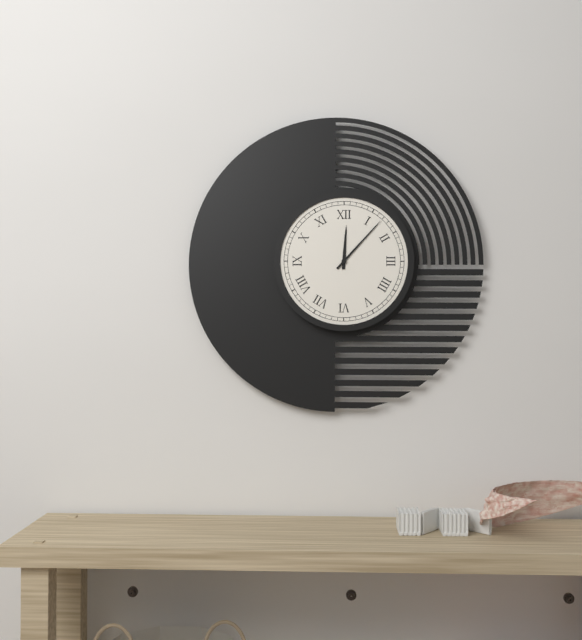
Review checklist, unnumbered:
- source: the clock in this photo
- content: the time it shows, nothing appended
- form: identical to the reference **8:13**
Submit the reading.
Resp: **12:07**
